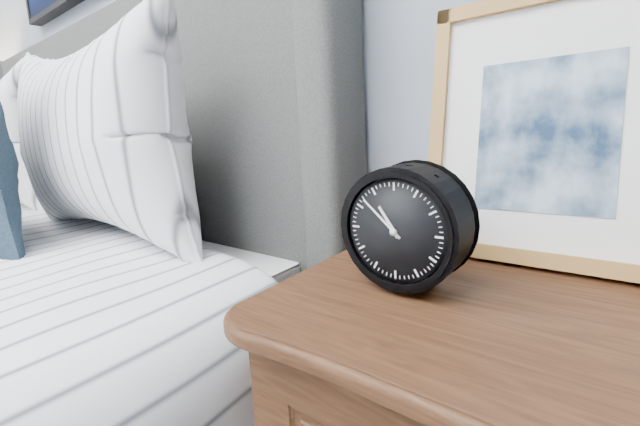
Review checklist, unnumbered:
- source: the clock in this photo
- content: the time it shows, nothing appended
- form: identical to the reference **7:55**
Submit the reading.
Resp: **10:52**
